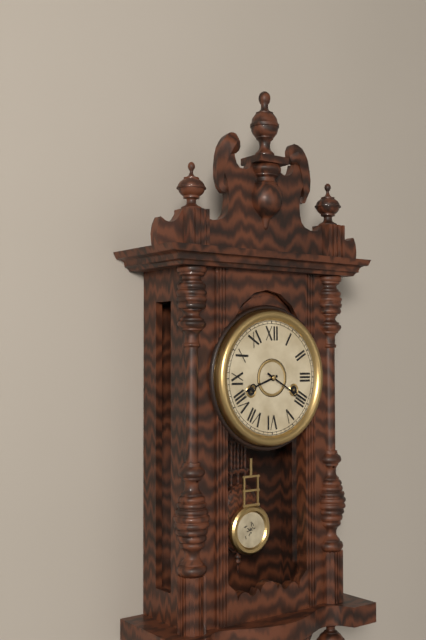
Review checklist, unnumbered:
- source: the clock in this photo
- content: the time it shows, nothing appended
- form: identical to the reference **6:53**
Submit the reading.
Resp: **8:20**
